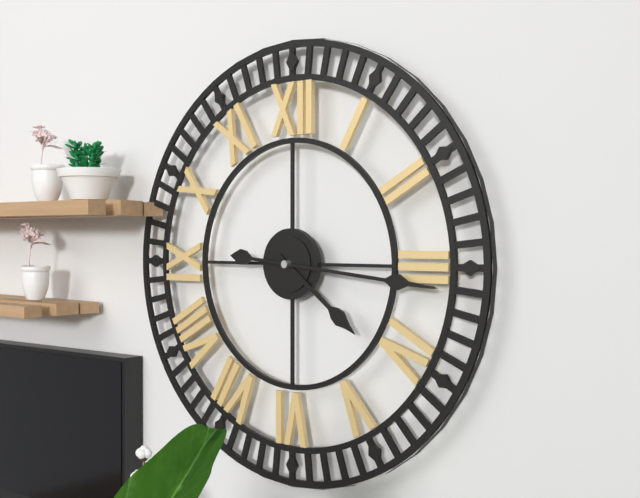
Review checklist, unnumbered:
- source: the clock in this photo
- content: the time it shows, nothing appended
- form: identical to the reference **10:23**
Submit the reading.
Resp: **4:16**
